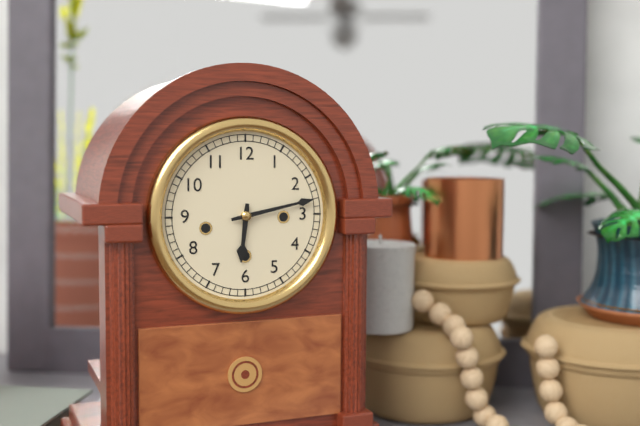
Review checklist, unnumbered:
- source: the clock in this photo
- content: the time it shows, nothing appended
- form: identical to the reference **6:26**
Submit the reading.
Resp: **6:13**
